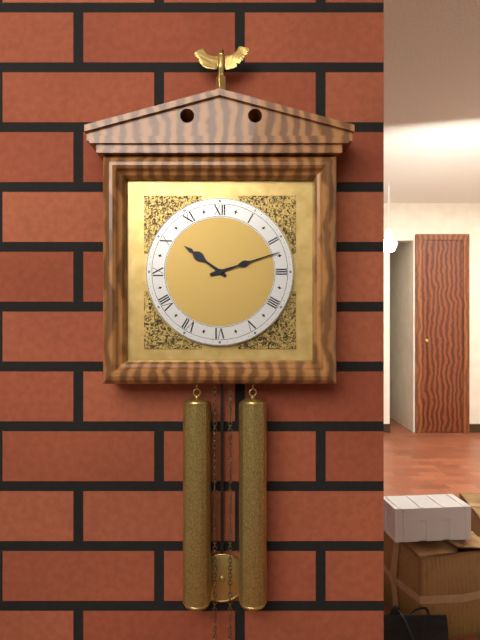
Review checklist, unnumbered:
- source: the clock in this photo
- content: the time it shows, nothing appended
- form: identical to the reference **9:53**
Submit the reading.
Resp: **10:12**
